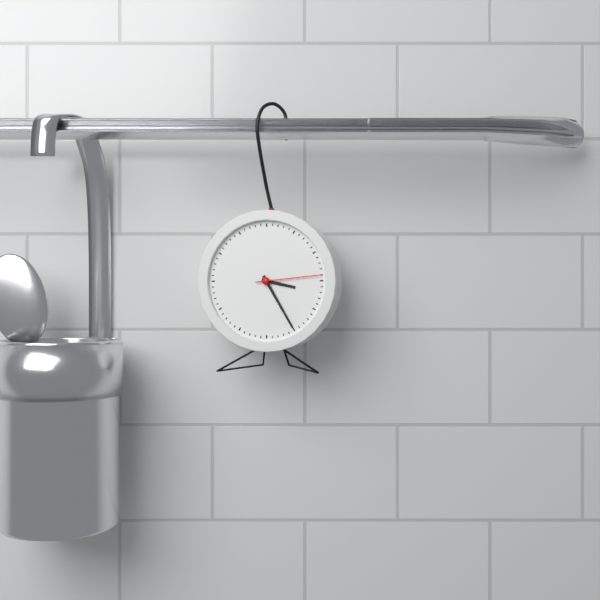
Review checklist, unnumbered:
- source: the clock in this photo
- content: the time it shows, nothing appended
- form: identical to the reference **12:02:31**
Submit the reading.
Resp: **3:25:14**
